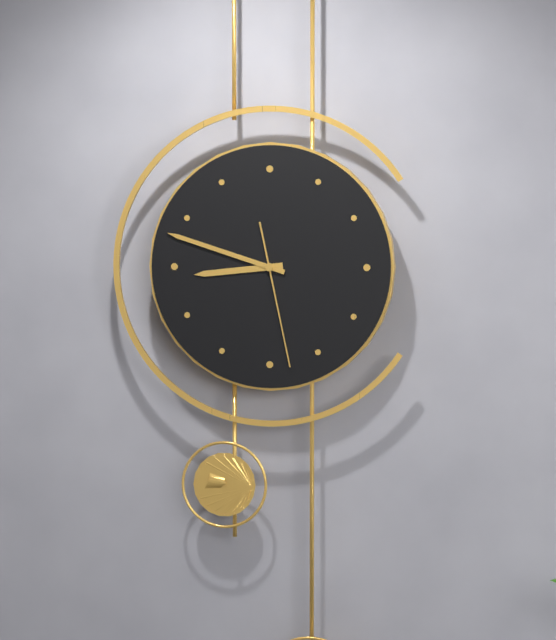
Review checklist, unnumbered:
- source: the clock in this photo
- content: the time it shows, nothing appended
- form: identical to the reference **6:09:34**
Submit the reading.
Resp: **8:48:28**
